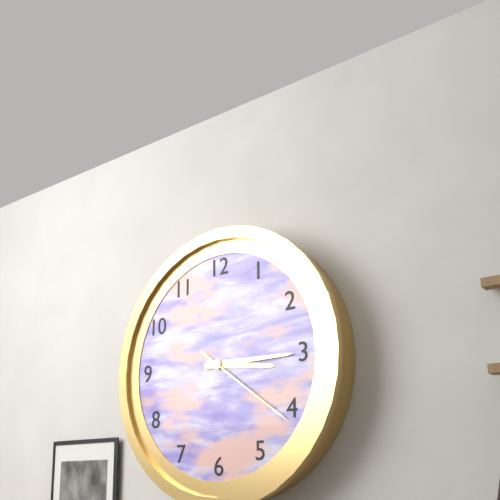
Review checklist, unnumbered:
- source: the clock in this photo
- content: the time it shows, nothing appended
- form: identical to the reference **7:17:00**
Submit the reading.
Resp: **3:15:21**
